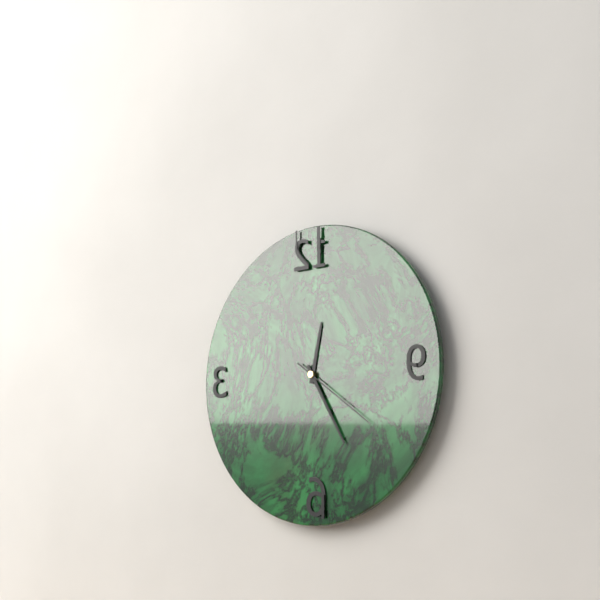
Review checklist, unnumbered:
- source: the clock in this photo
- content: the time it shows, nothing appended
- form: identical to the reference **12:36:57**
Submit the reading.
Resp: **12:25:21**
